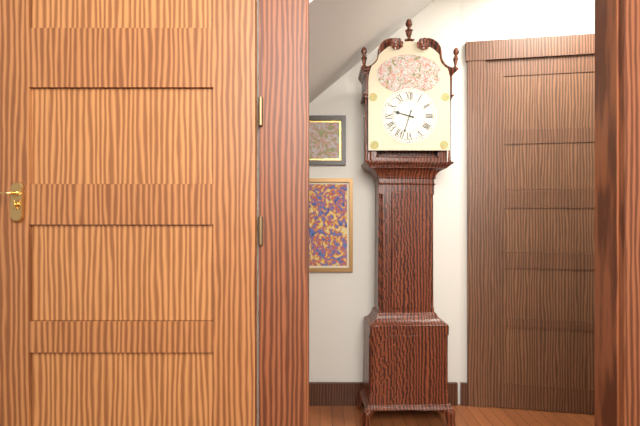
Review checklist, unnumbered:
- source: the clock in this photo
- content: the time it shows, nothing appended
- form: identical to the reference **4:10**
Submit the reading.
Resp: **9:33**
